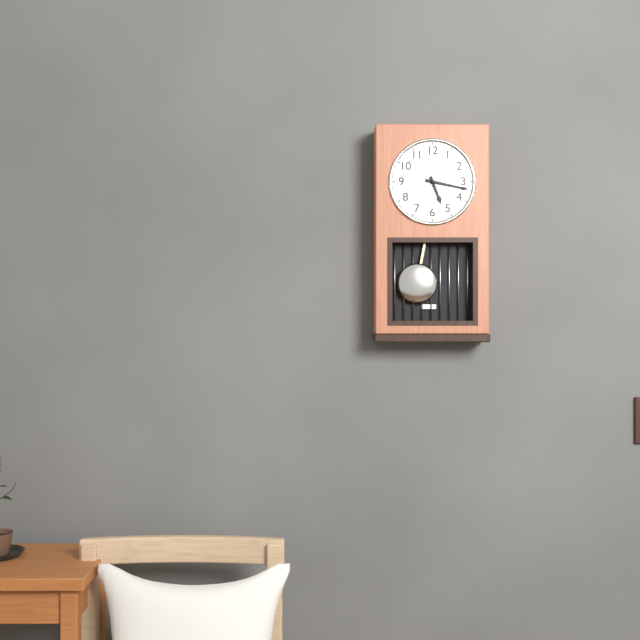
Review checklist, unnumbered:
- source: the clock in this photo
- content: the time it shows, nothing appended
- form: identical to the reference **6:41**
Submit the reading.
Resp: **5:17**
